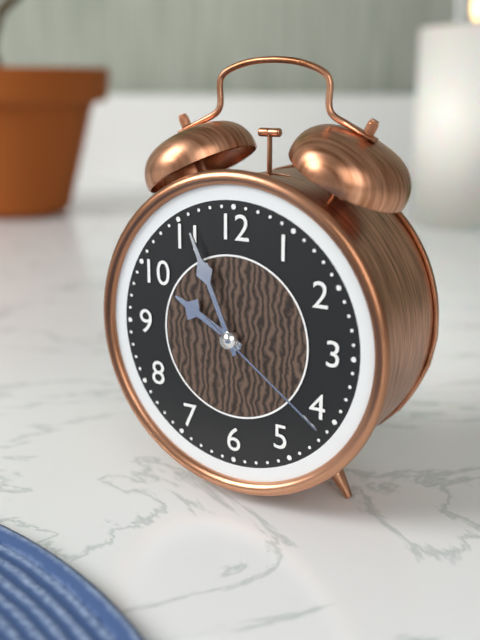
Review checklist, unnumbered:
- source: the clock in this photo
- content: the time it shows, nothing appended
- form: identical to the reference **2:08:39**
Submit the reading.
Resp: **9:56:21**
